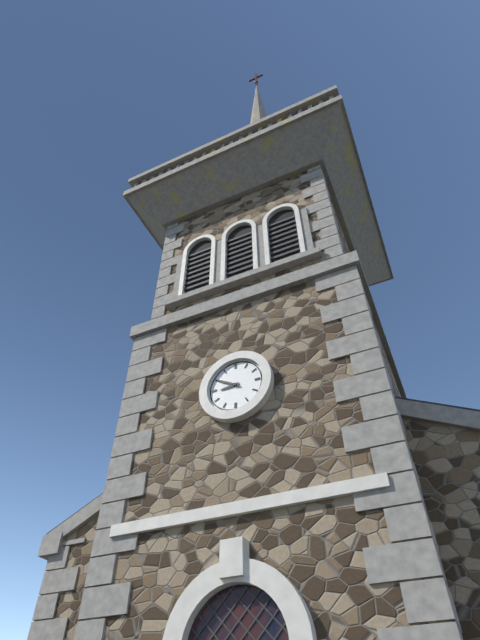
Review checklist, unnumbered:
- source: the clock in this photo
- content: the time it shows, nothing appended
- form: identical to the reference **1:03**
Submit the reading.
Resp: **8:50**
